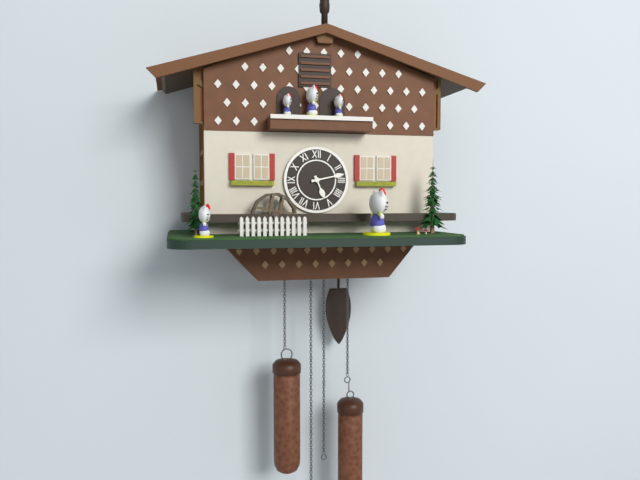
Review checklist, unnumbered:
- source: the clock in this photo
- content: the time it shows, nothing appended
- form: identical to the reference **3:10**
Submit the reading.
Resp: **5:13**
